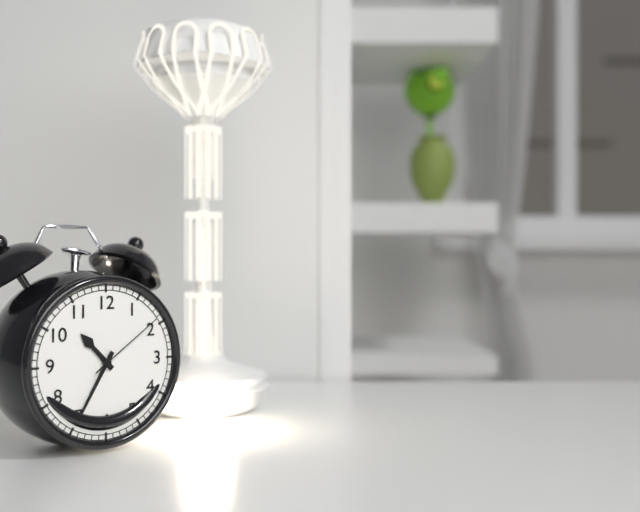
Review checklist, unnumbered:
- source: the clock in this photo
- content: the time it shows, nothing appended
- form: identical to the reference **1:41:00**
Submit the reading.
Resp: **10:35:09**
